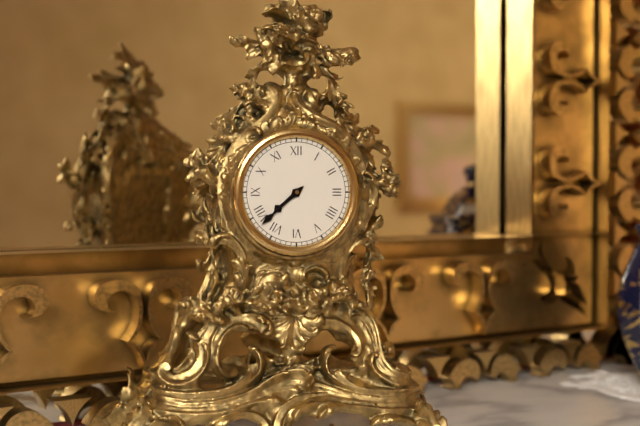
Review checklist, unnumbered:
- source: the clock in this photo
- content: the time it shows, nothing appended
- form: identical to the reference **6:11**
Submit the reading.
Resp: **7:38**
